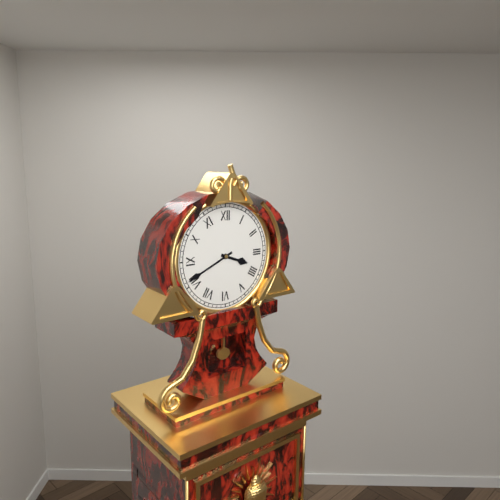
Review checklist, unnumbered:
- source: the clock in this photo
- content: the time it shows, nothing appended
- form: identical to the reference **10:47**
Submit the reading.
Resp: **3:41**
